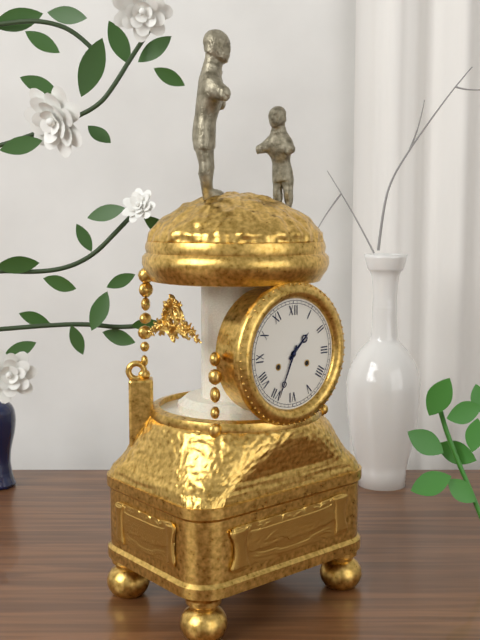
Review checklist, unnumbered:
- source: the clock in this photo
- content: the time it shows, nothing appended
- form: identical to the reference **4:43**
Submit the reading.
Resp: **1:34**
